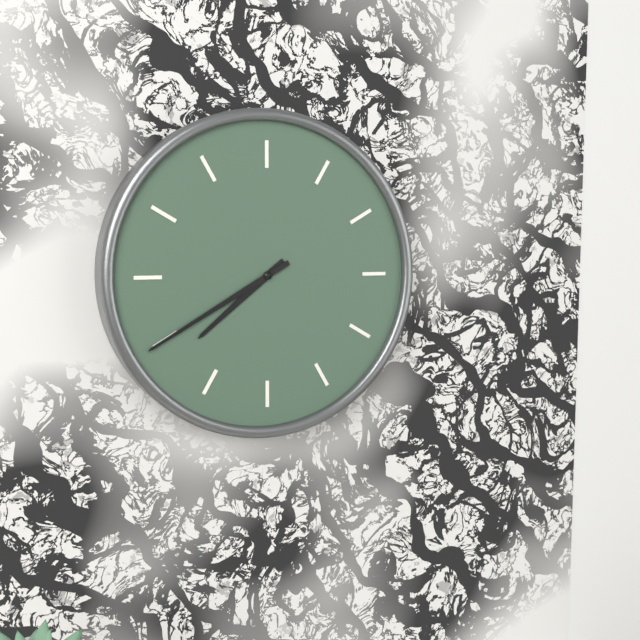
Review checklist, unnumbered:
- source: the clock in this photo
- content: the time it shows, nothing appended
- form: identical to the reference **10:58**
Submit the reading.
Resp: **7:40**
